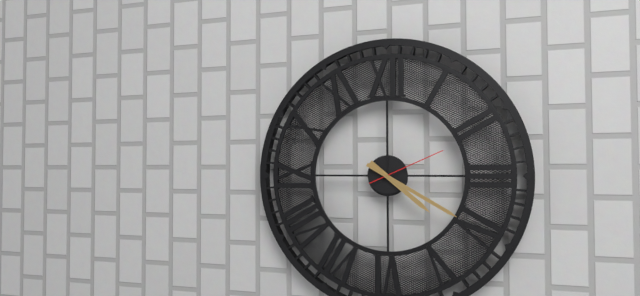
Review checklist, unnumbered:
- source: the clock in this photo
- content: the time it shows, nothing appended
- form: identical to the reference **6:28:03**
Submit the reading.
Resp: **4:20:11**
